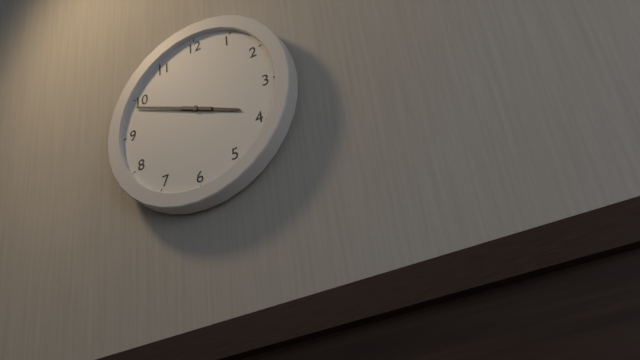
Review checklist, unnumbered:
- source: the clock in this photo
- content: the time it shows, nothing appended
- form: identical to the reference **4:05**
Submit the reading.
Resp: **3:49**
